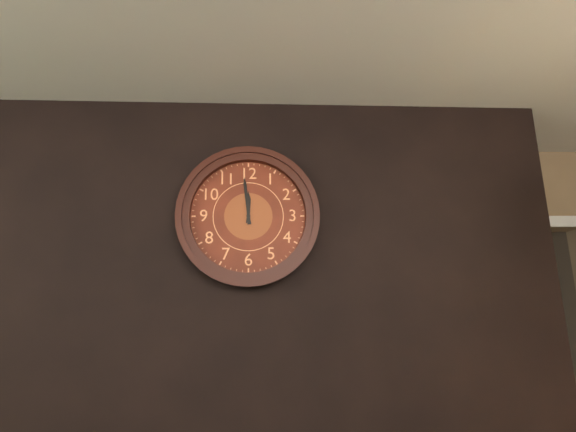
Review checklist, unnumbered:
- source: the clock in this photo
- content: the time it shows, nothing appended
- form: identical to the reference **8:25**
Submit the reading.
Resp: **11:59**
